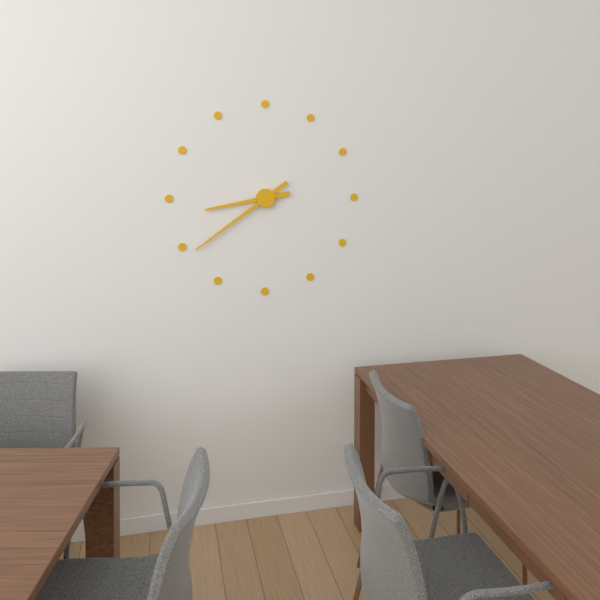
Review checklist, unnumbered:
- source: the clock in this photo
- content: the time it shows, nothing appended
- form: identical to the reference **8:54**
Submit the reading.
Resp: **8:39**
